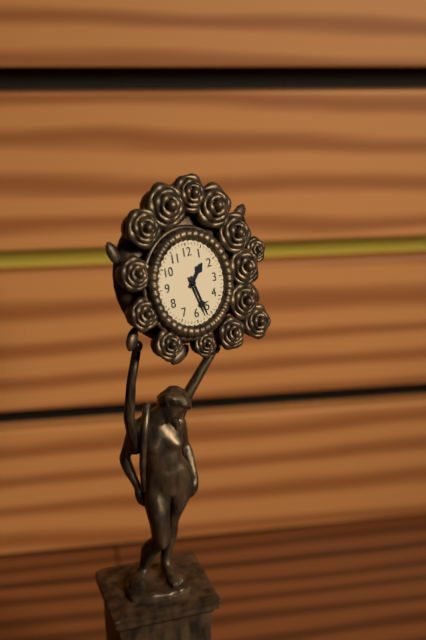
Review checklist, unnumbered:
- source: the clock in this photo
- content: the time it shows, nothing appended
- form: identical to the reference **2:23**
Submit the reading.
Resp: **1:27**
